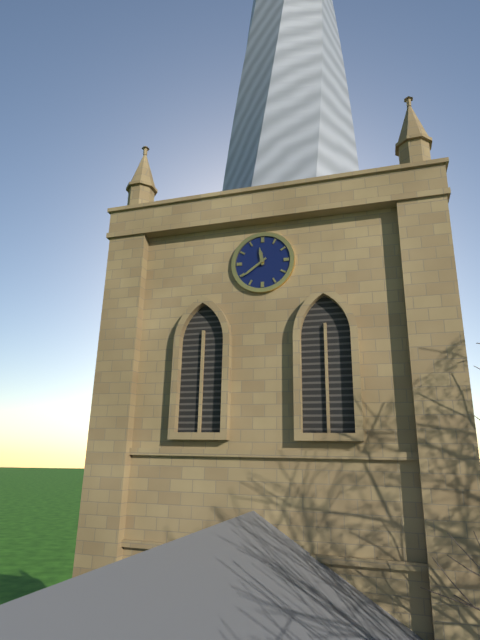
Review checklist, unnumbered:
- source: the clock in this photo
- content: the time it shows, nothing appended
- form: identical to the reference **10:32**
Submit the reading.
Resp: **11:39**
